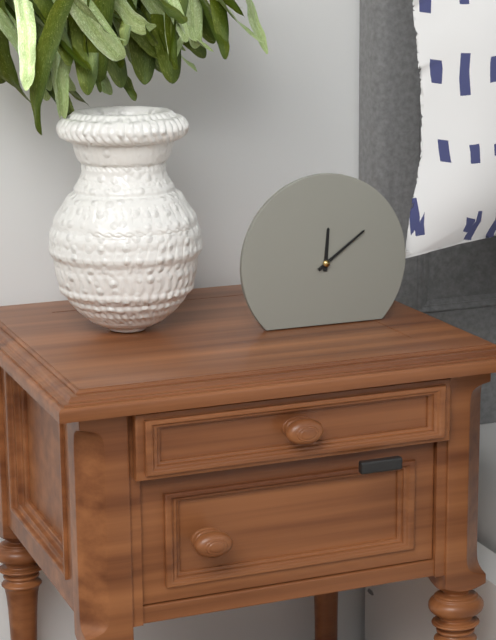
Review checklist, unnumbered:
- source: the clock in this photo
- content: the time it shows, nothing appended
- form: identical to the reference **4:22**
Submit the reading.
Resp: **12:09**
